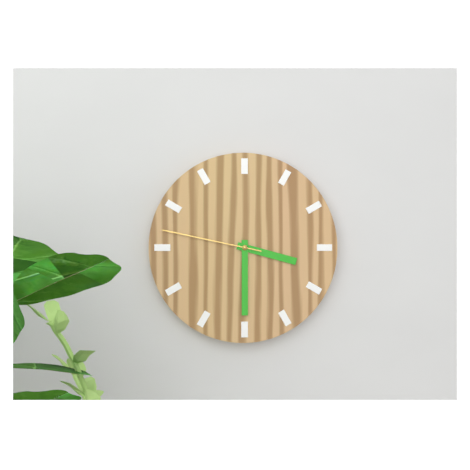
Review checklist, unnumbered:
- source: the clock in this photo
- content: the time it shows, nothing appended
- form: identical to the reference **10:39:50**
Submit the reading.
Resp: **3:30:47**
